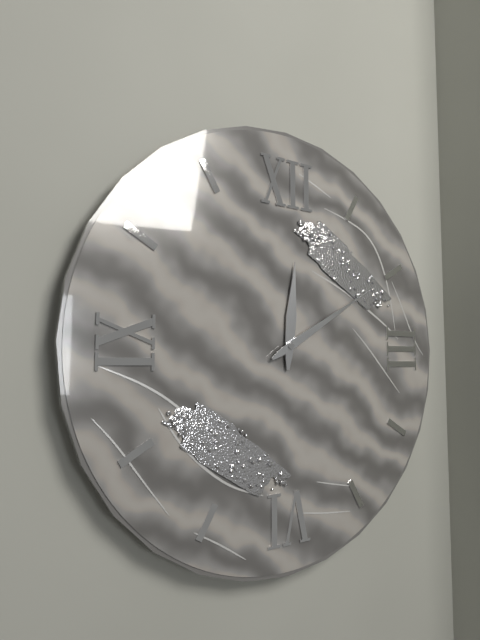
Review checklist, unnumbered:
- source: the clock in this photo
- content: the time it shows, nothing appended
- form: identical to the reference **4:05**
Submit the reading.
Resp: **12:10**
